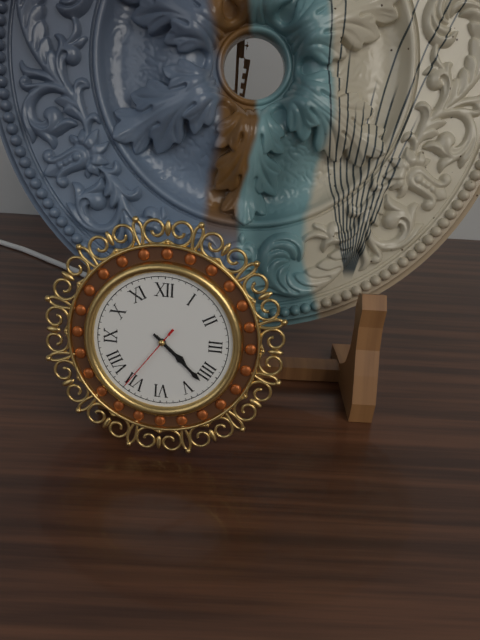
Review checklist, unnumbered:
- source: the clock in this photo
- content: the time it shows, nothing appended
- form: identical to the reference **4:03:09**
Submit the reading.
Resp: **4:22:36**
